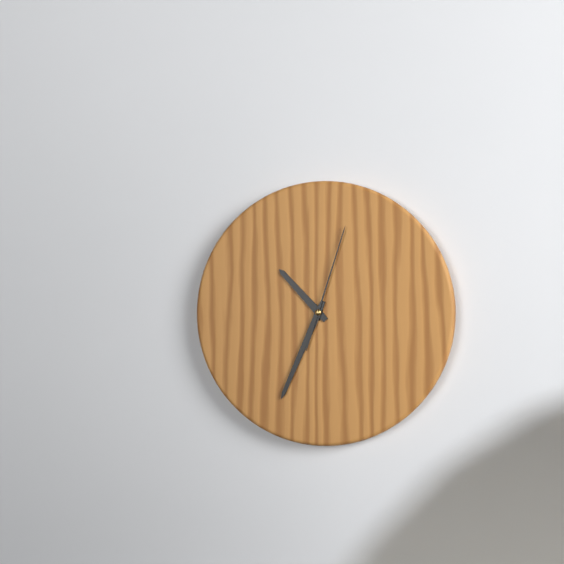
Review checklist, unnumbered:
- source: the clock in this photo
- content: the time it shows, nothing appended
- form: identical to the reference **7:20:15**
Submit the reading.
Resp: **10:34:03**
